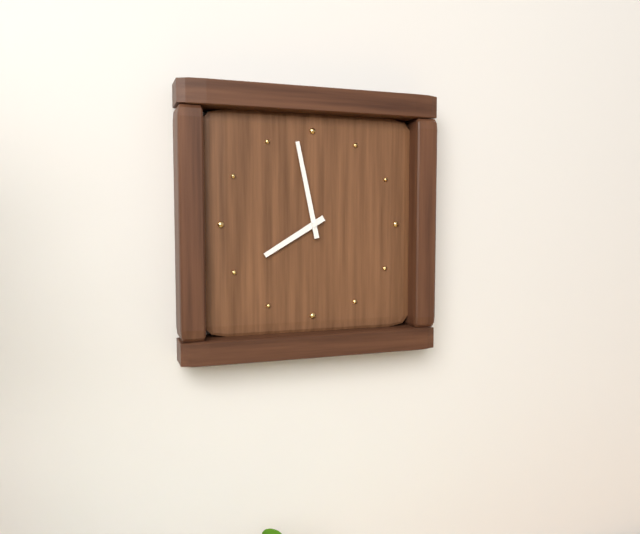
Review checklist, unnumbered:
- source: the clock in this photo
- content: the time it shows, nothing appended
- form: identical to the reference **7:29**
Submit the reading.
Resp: **7:58**
